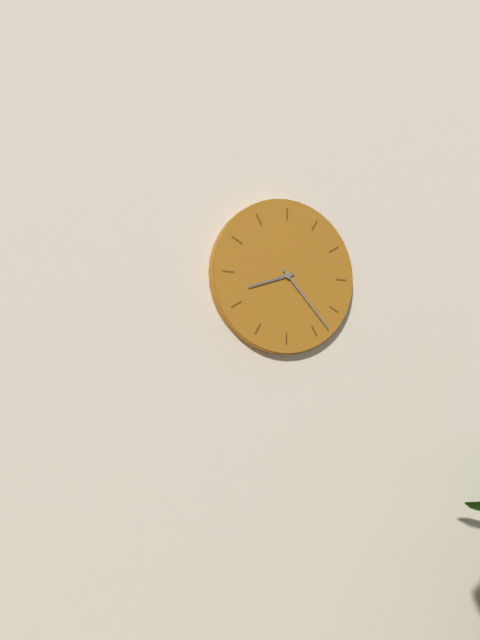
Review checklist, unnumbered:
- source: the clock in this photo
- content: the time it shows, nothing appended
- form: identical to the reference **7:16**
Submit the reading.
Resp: **8:23**
